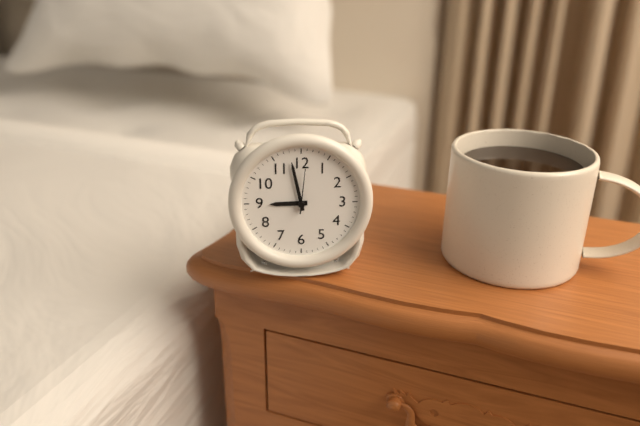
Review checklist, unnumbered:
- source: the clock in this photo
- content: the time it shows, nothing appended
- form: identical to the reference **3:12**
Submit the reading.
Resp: **8:58**
